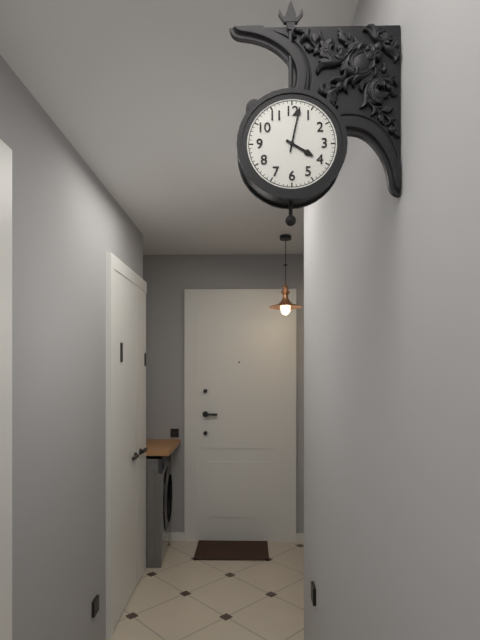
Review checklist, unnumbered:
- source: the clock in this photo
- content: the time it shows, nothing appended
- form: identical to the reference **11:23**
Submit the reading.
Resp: **4:02**
